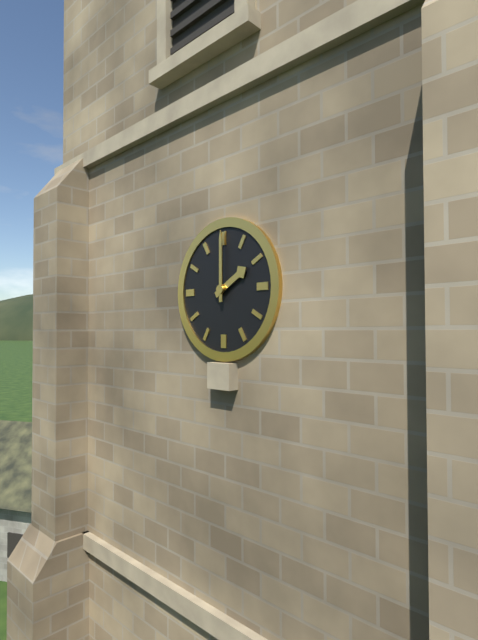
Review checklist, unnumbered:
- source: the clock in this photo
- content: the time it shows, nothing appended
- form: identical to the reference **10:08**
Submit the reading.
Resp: **2:00**
